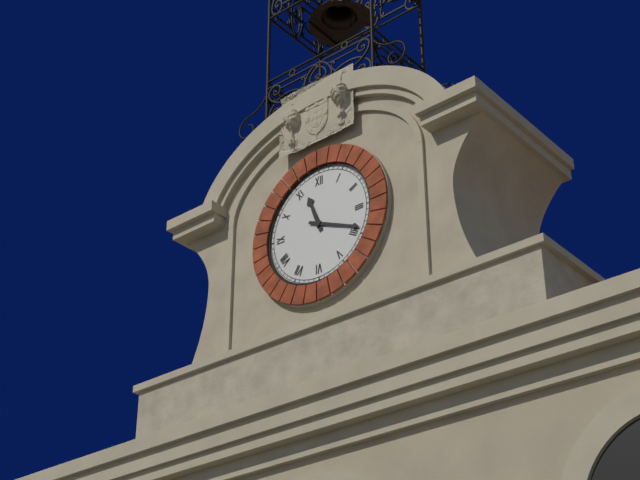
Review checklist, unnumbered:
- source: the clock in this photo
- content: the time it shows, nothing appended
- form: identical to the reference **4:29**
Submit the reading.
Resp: **11:19**
